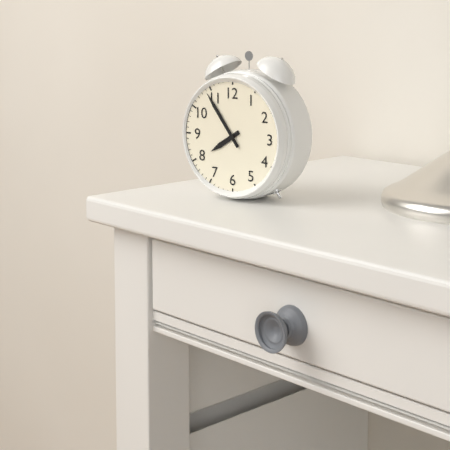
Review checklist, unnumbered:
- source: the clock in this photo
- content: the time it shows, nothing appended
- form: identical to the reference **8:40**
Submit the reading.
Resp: **7:54**
